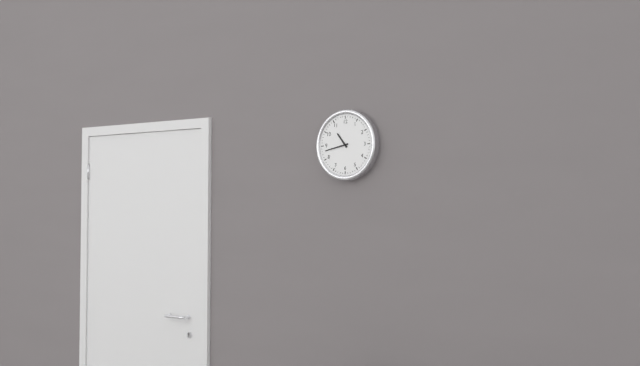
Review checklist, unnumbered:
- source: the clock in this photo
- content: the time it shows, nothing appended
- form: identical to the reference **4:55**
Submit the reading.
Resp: **10:43**
